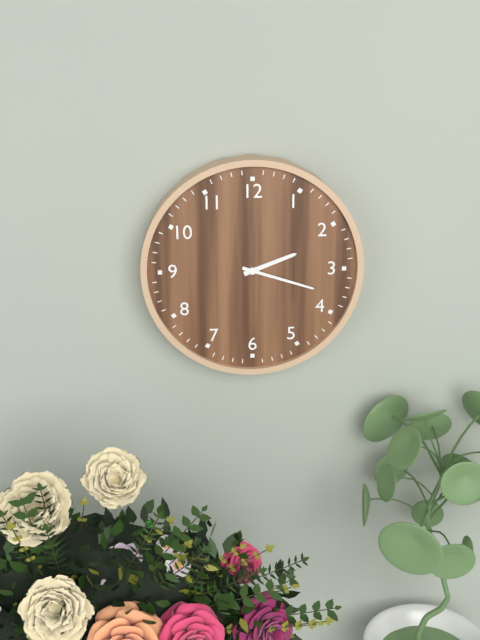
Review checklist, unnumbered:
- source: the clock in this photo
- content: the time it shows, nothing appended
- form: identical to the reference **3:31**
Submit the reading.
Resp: **2:18**
